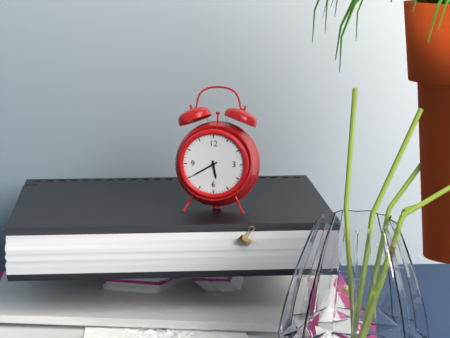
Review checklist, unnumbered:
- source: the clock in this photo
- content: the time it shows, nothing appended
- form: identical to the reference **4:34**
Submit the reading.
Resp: **5:40**
